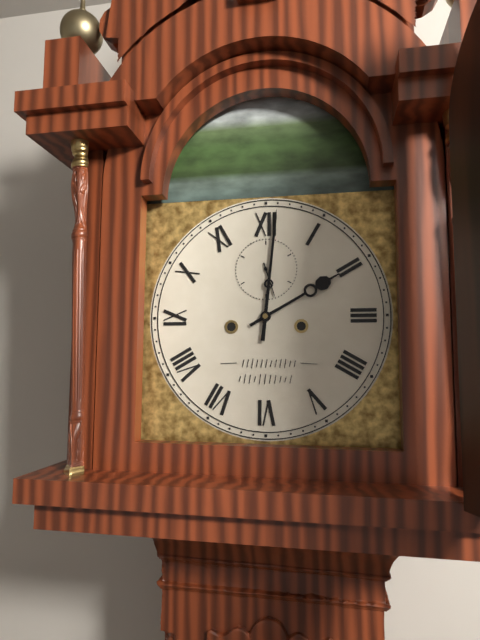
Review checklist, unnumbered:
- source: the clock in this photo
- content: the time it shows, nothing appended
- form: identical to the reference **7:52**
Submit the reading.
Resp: **2:01**
